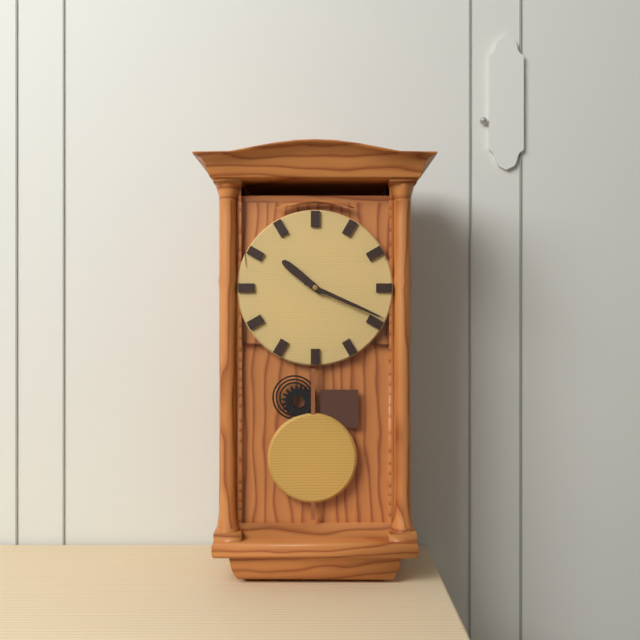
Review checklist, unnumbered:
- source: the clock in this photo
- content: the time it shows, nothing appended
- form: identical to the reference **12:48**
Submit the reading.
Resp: **10:19**
